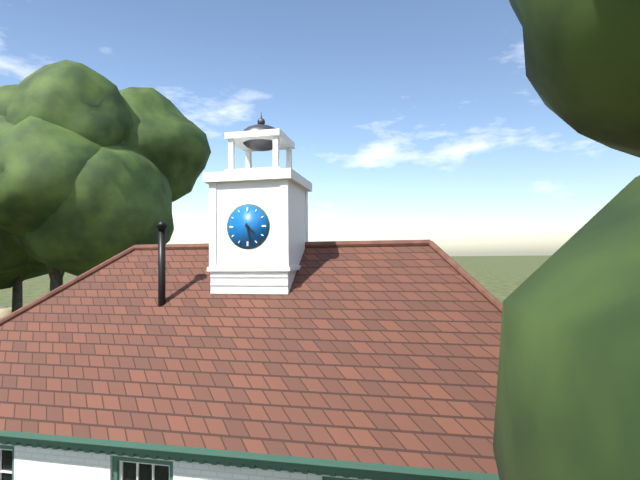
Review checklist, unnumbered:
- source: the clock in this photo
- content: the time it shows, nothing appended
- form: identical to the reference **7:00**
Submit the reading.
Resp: **4:28**
